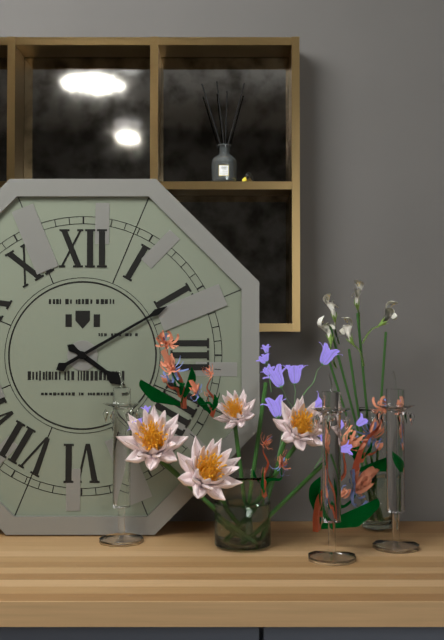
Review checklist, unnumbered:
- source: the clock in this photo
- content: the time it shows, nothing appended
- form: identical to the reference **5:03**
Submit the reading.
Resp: **4:10**
